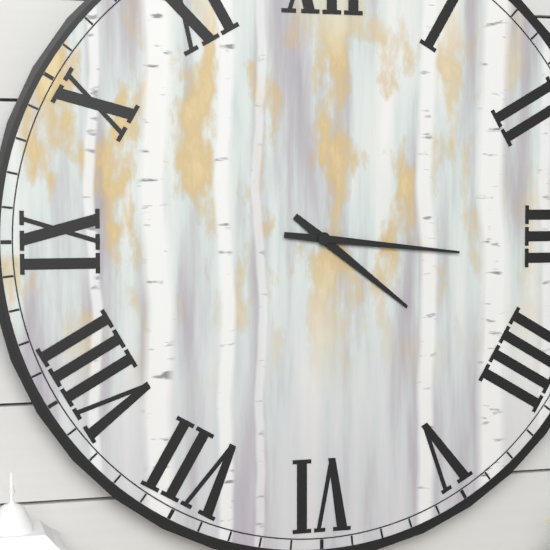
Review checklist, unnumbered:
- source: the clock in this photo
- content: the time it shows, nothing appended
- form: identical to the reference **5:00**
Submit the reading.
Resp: **4:16**
